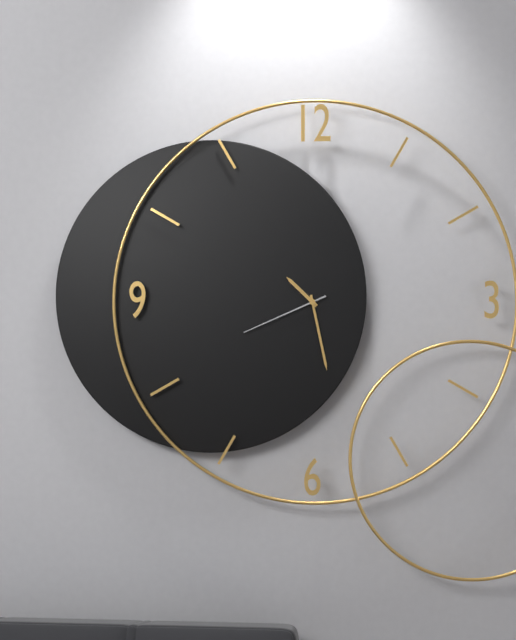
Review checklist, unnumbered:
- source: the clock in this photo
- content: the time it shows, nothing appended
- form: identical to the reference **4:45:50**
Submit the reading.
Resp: **10:28:41**
